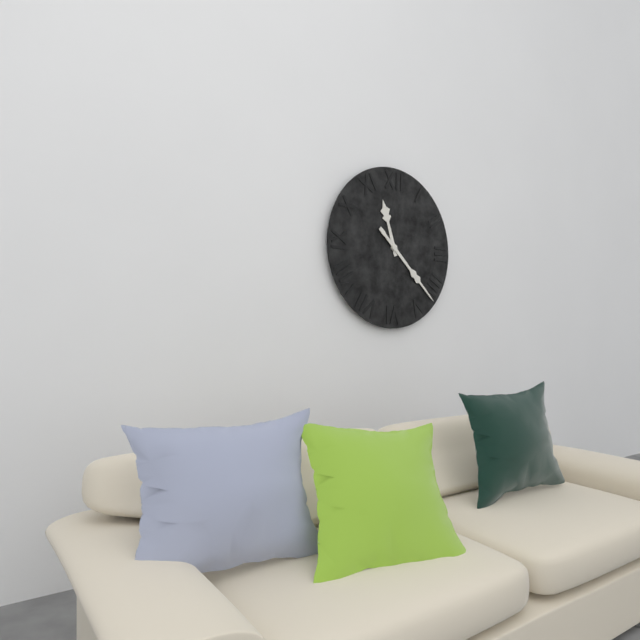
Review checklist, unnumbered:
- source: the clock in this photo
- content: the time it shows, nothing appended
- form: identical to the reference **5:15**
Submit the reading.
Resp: **11:22**
